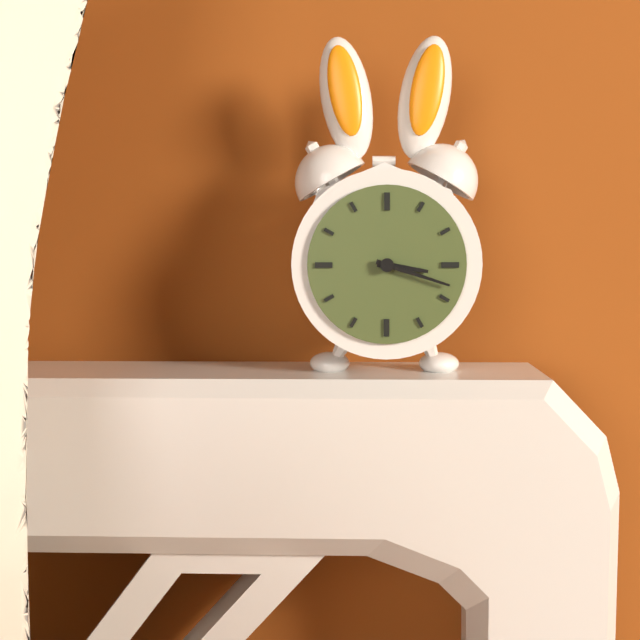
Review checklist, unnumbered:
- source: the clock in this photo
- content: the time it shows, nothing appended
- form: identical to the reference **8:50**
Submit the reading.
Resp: **3:18**
